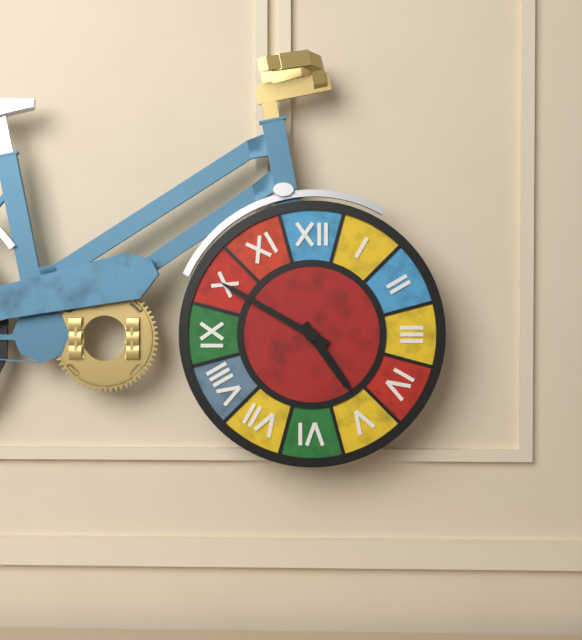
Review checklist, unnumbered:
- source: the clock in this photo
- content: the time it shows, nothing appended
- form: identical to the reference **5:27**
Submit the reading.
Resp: **4:50**
